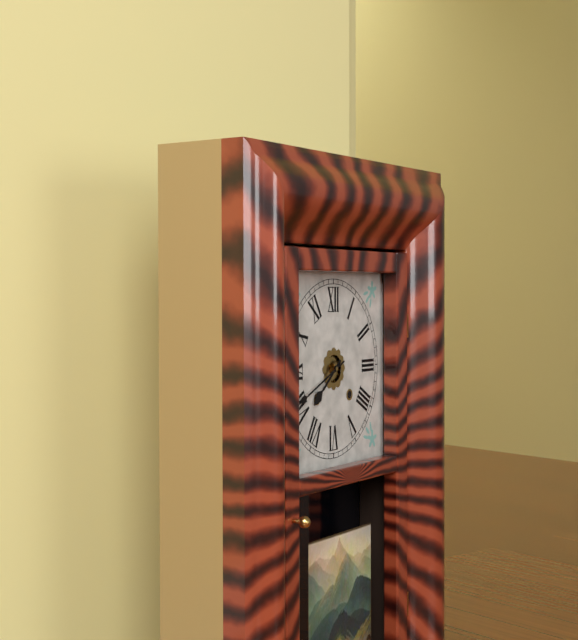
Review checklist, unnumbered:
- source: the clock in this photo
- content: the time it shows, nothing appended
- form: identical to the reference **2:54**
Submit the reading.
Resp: **7:41**
